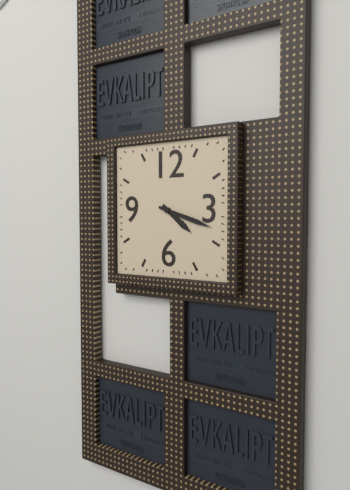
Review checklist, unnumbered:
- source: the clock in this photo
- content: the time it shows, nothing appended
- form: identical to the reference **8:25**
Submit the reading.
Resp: **4:18**
